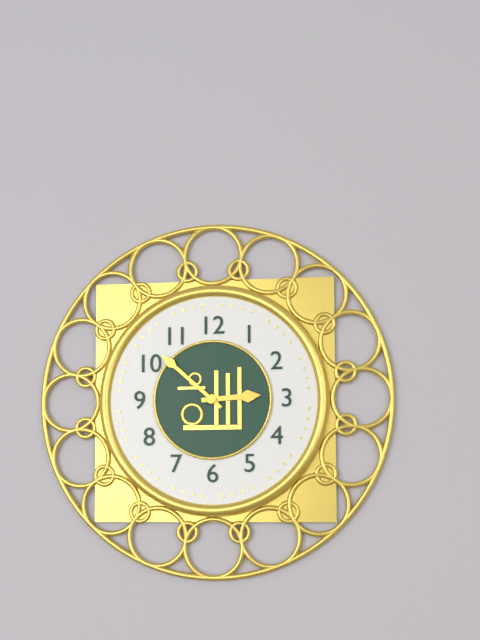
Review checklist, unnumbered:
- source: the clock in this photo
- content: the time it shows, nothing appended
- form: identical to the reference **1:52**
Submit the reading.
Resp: **2:52**
